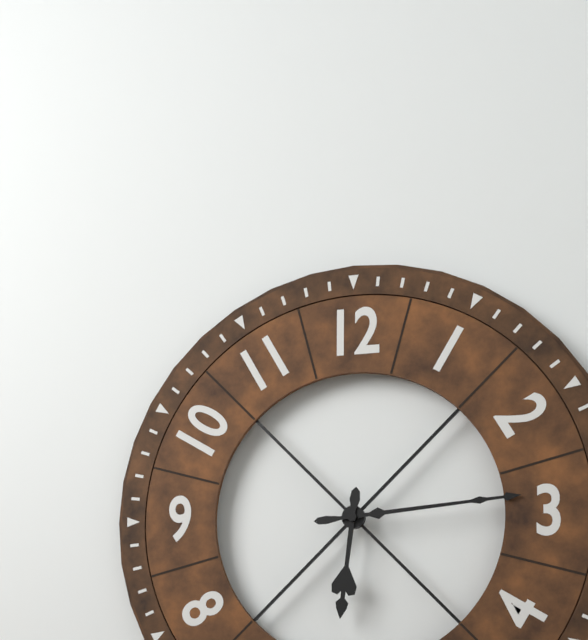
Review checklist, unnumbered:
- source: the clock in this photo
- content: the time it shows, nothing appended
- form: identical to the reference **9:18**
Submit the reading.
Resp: **6:14**
